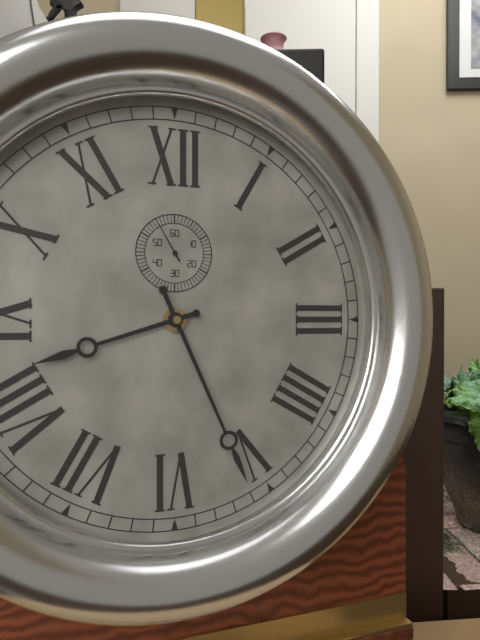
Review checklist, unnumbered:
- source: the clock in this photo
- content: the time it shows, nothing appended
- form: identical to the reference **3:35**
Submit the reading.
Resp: **8:26**
